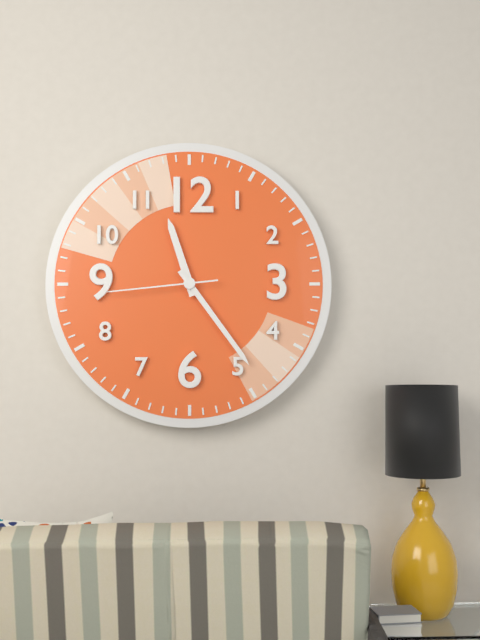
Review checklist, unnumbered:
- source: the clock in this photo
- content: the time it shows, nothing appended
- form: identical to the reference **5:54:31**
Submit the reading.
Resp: **11:24:44**
